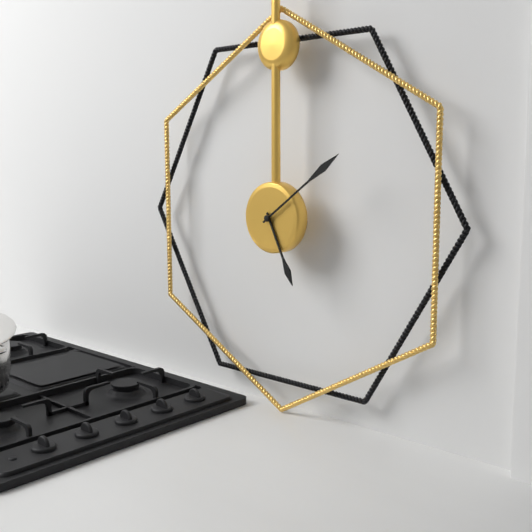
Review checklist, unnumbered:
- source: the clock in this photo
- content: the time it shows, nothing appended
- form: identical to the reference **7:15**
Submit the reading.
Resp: **5:09**
